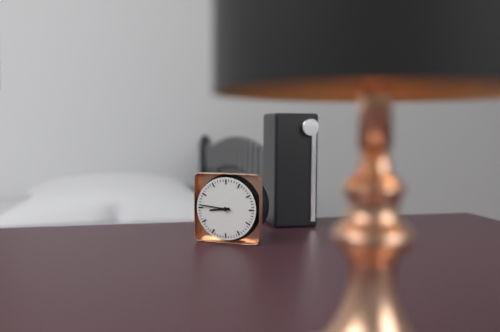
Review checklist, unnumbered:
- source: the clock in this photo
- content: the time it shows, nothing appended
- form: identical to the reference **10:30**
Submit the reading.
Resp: **8:46**
